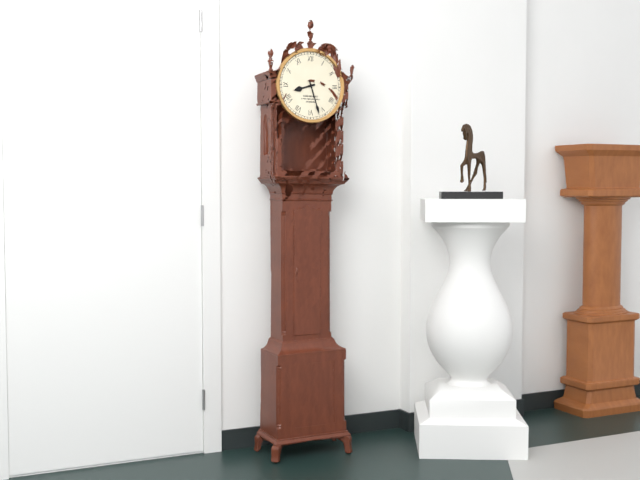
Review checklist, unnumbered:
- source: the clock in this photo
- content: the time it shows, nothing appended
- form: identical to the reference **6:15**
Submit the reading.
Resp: **8:27**
